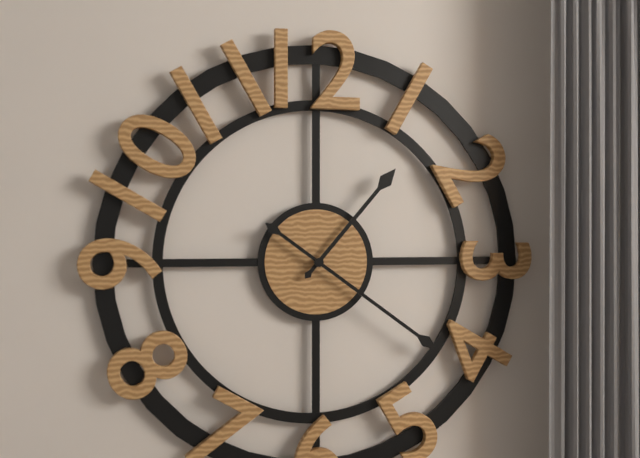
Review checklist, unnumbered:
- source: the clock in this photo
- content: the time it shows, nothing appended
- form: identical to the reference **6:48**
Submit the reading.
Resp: **1:21**
